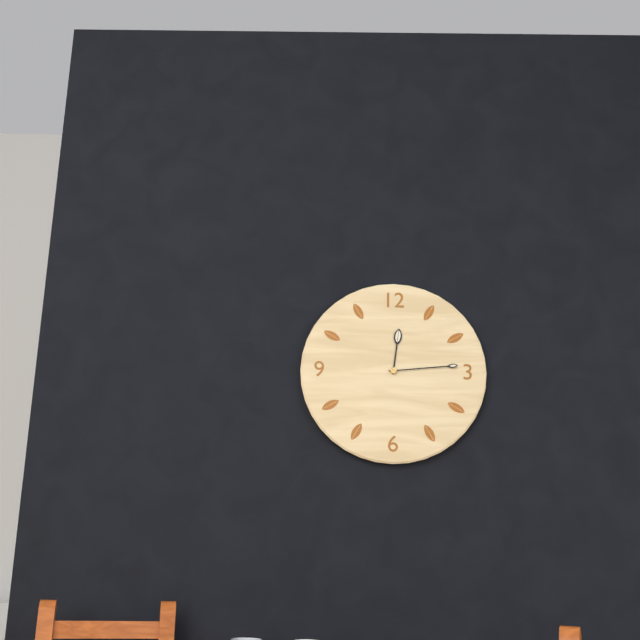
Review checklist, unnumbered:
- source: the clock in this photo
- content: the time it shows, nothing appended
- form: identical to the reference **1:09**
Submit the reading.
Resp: **12:14**
